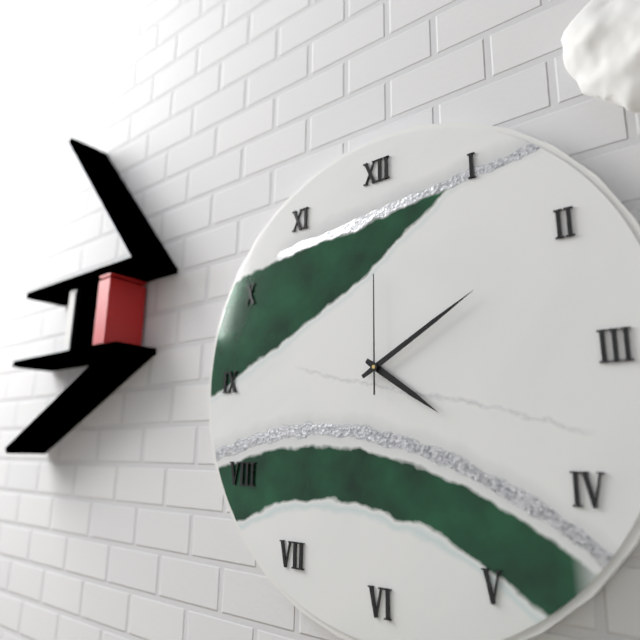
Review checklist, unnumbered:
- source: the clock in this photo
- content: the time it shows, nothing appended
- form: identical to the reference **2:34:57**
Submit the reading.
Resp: **4:10:00**
